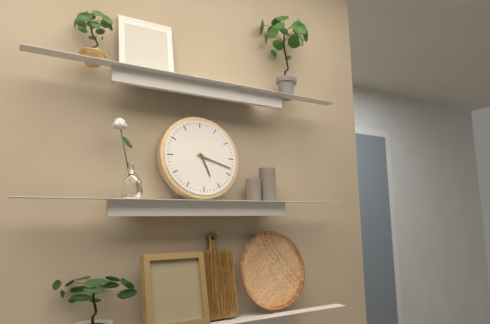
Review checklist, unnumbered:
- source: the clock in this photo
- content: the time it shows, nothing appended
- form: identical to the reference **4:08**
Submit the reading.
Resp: **5:18**
